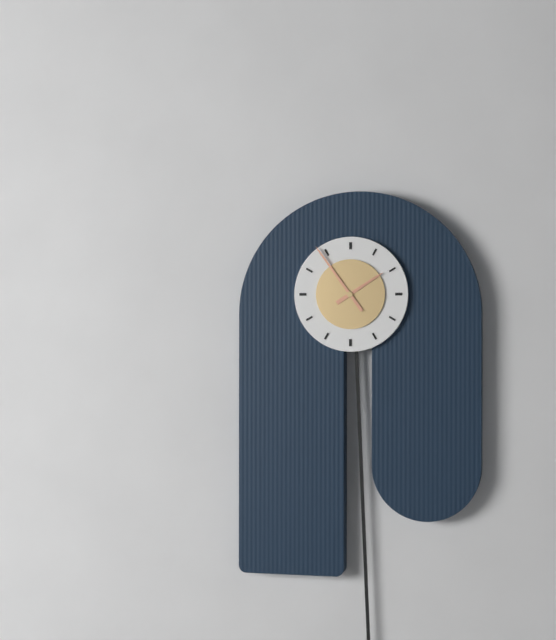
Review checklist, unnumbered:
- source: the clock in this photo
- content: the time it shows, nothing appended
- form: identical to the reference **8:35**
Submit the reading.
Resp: **1:54**
